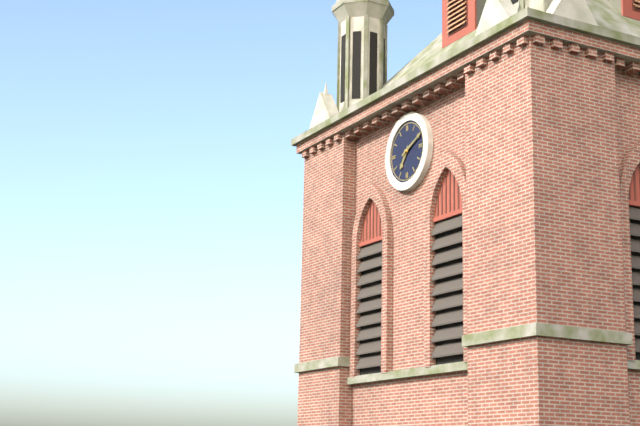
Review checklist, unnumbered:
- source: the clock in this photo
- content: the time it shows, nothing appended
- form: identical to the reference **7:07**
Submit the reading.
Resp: **7:11**
